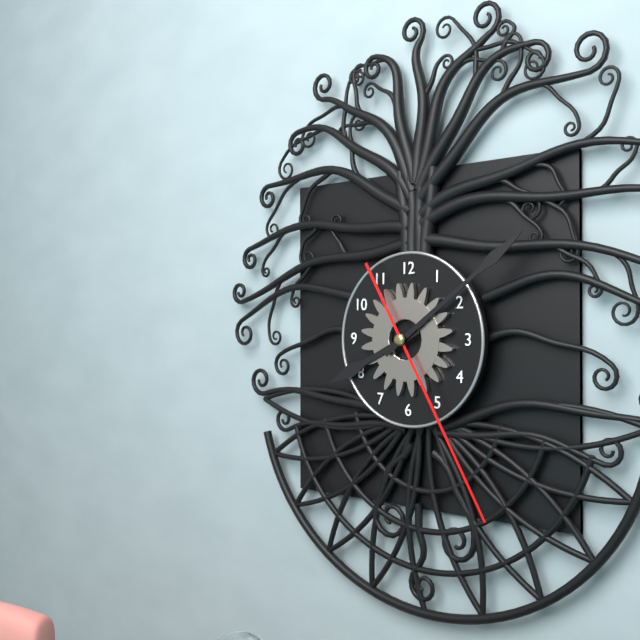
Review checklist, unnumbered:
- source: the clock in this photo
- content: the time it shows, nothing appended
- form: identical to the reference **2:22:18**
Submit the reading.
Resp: **8:09:25**
